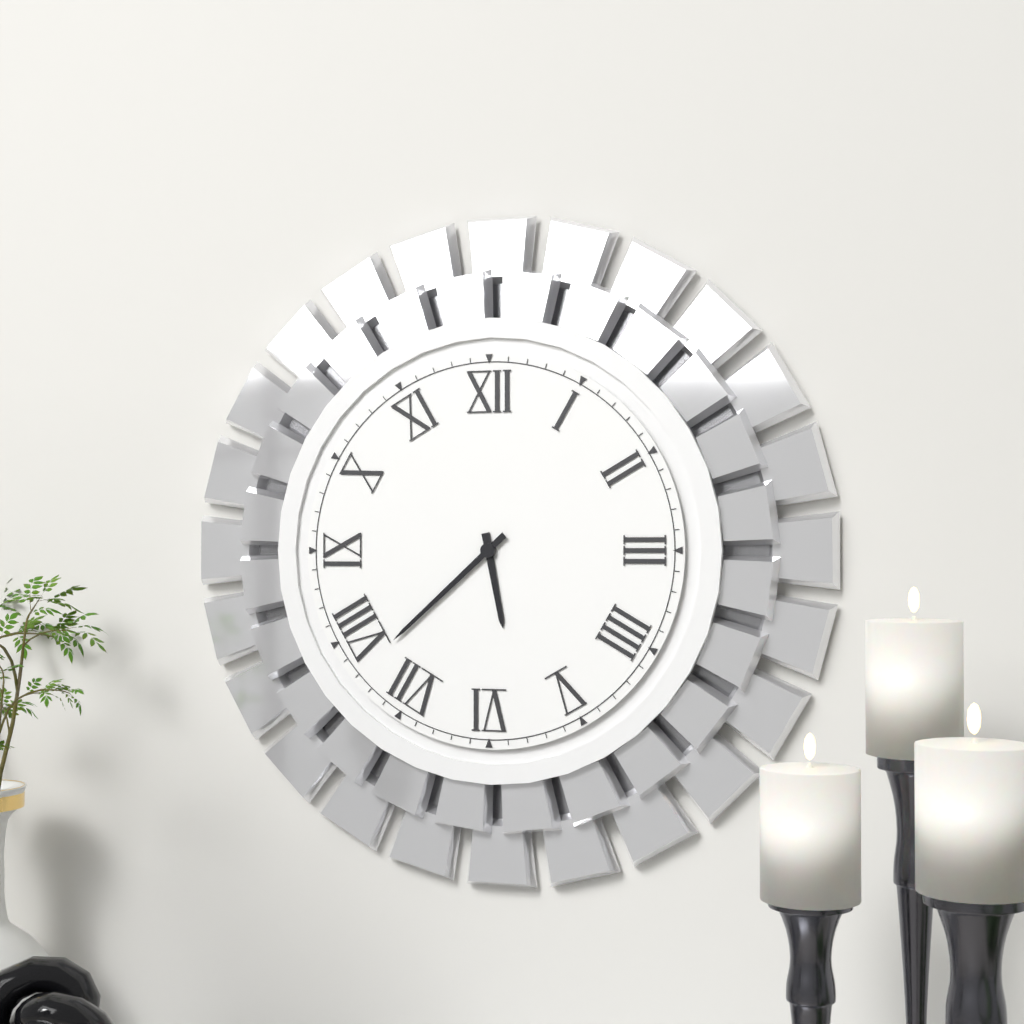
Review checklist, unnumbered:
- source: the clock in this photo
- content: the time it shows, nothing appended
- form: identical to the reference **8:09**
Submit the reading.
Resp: **5:38**
